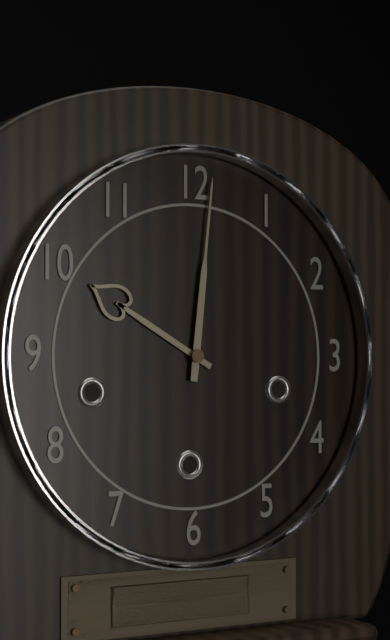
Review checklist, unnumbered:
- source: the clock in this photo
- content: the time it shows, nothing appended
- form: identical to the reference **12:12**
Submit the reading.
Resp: **10:01**
